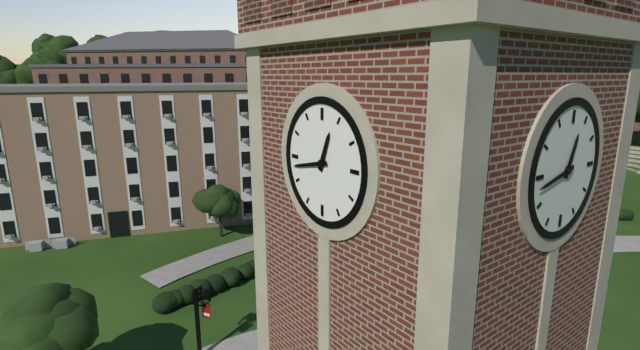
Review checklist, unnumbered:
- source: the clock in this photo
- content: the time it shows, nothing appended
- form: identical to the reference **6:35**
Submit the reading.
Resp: **12:43**
